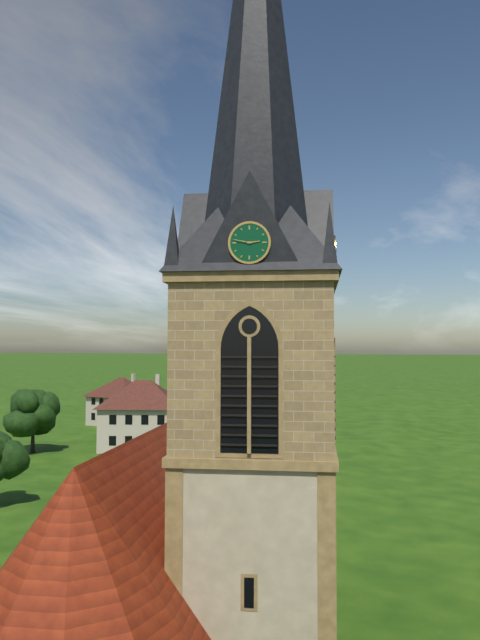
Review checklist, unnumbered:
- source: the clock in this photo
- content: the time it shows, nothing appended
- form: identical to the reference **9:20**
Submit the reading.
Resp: **2:47**
